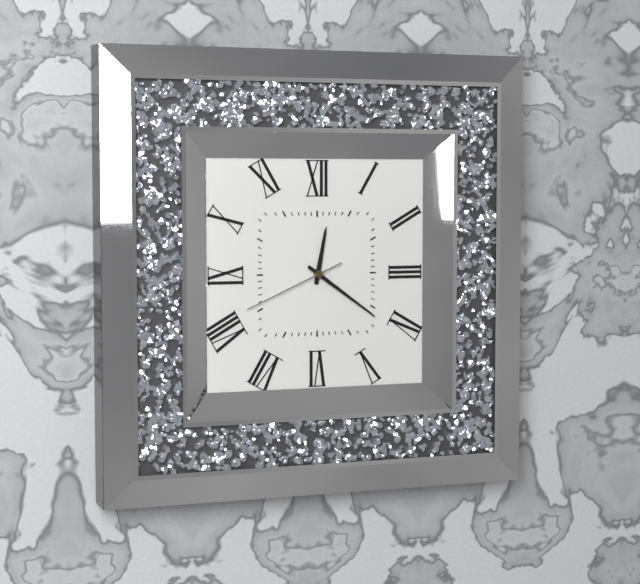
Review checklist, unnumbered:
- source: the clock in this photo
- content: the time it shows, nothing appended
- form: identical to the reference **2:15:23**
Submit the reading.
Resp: **12:21:41**
